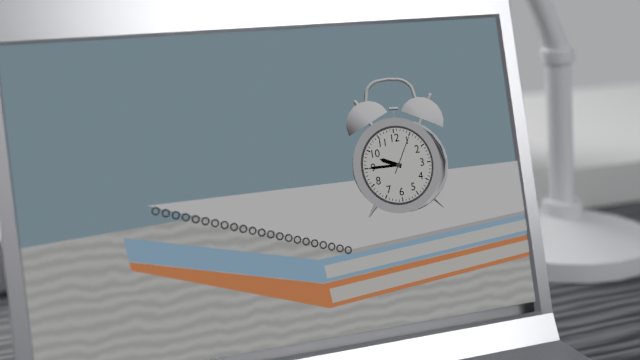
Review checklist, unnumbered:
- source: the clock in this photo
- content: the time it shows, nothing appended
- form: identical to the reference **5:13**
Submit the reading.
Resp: **9:45**
